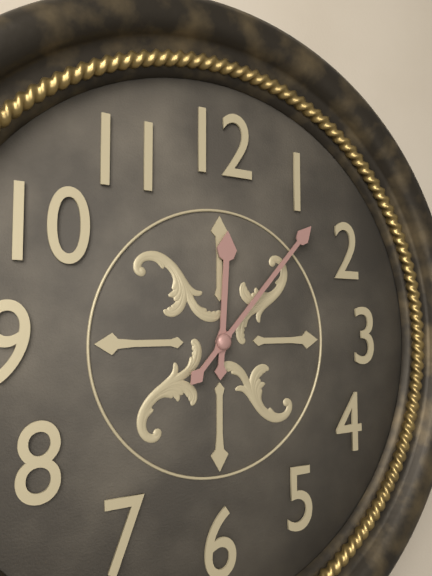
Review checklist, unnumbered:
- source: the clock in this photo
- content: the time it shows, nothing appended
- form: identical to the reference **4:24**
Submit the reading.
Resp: **12:07**
